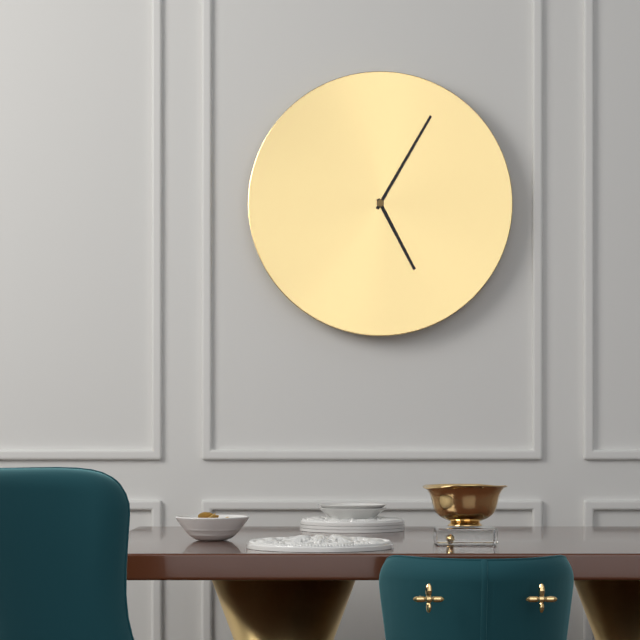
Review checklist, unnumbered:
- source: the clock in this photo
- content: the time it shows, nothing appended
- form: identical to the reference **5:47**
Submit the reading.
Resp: **5:05**
